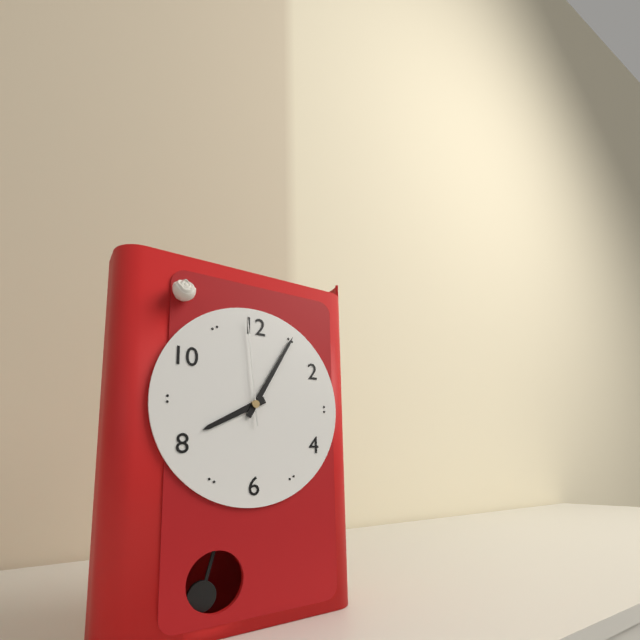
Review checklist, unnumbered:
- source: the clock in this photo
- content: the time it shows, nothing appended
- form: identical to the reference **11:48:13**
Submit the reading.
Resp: **8:05:59**
